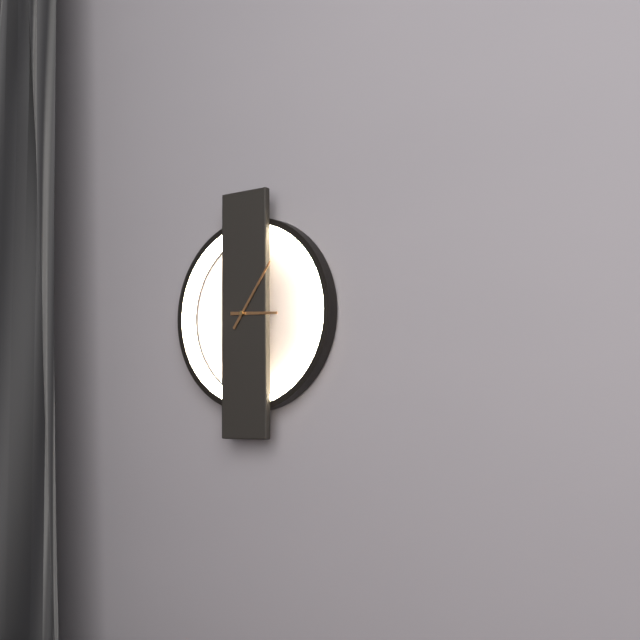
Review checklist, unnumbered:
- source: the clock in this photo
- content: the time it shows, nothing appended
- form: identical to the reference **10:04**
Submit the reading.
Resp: **3:06**
